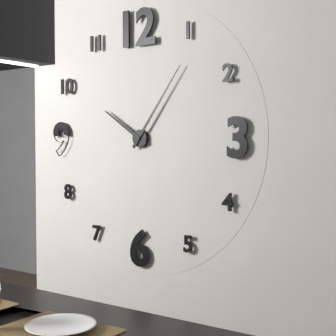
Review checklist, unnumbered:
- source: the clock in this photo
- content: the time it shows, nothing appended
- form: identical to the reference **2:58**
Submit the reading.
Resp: **10:06**
